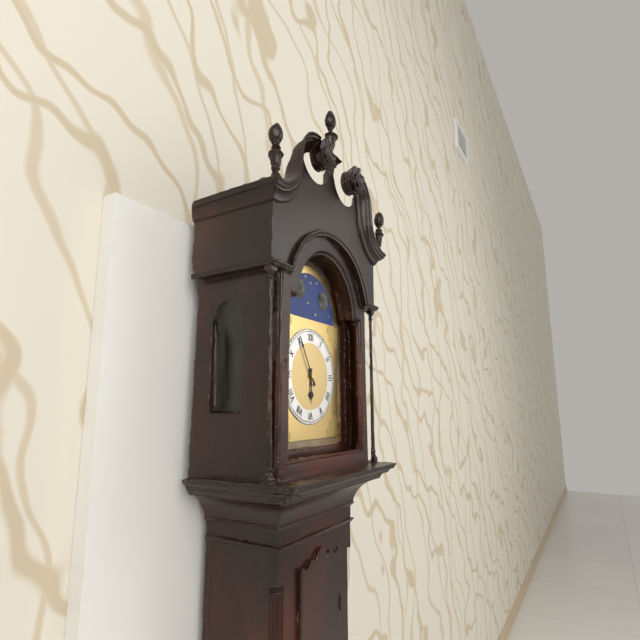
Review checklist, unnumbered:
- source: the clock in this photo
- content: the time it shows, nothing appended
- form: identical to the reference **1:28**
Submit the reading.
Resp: **5:55**
